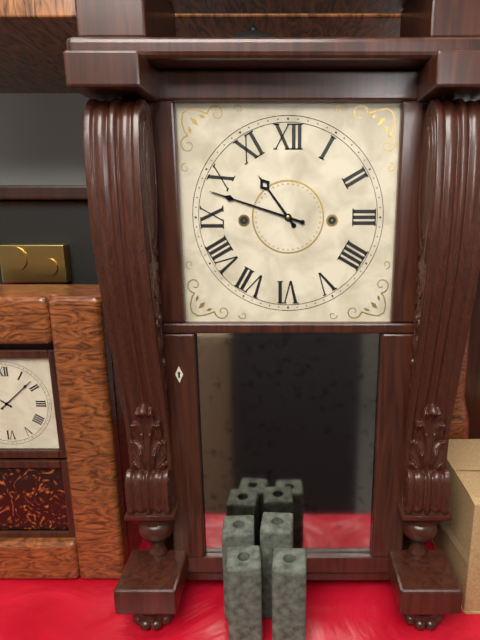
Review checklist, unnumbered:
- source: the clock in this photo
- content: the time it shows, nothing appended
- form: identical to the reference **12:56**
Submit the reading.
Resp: **10:48**
